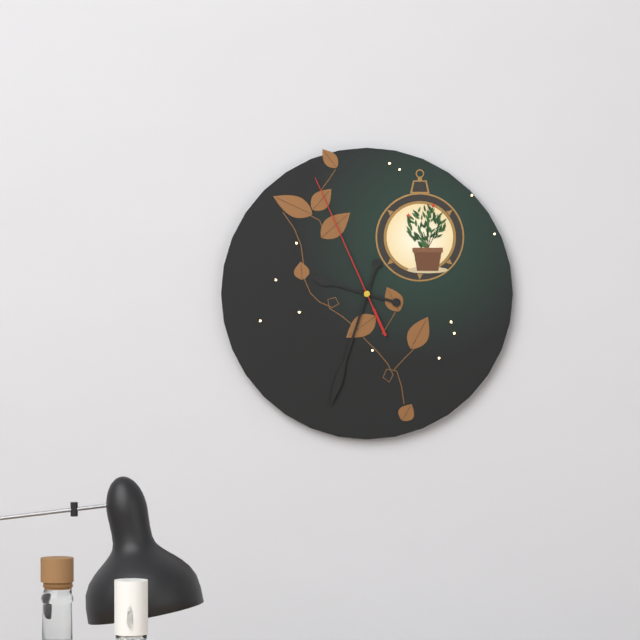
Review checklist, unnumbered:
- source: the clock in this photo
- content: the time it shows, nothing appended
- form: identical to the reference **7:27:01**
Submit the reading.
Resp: **9:33:56**
